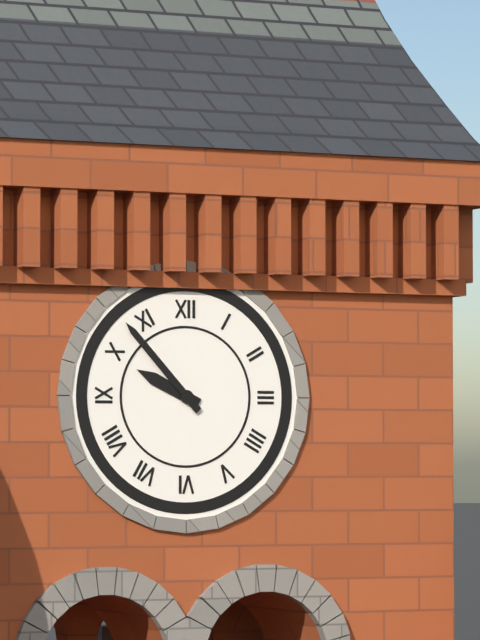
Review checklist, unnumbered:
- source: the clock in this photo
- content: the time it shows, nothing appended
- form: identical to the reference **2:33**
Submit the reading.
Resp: **9:53**
